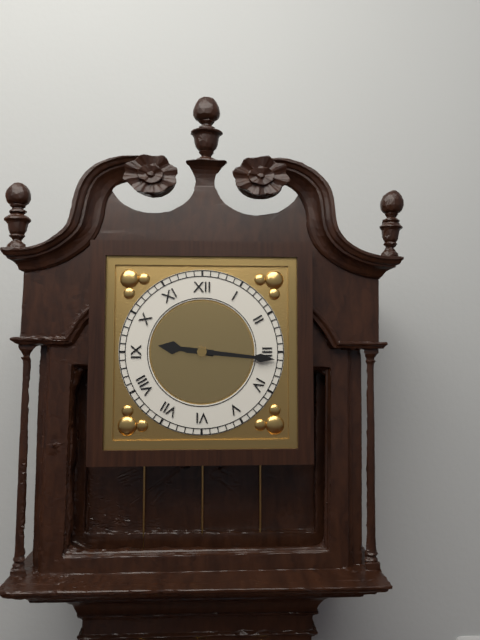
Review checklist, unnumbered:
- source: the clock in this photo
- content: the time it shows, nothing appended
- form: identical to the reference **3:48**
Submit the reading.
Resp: **9:16**
